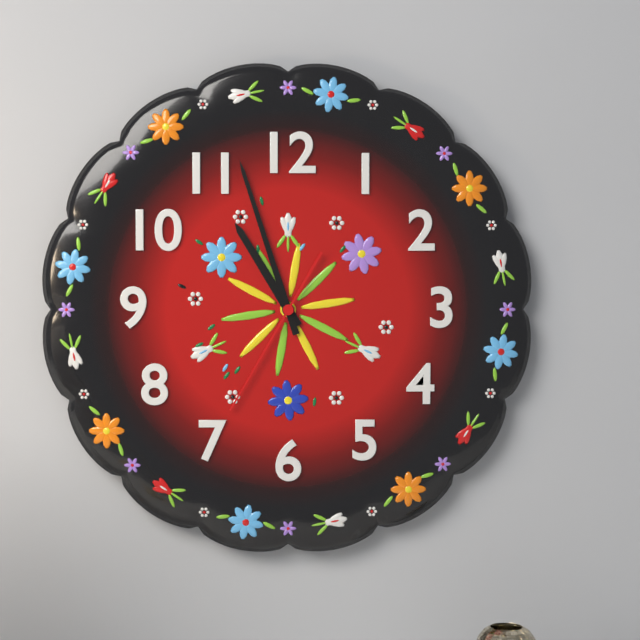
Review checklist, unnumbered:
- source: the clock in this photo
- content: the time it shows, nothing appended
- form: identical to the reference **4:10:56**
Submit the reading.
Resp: **10:57:35**
